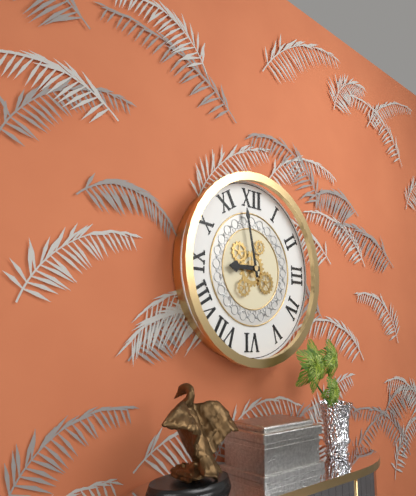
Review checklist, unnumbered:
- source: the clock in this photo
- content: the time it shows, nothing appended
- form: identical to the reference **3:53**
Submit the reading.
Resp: **8:58**
